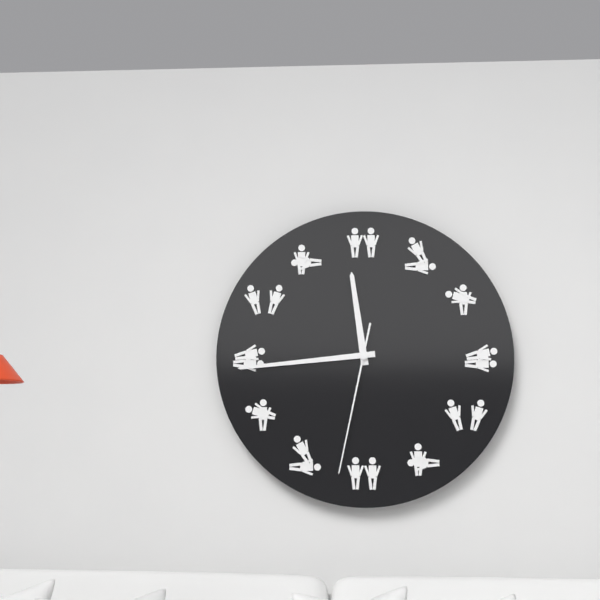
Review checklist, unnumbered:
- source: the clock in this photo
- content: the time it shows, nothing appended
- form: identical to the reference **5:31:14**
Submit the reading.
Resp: **11:44:32**
